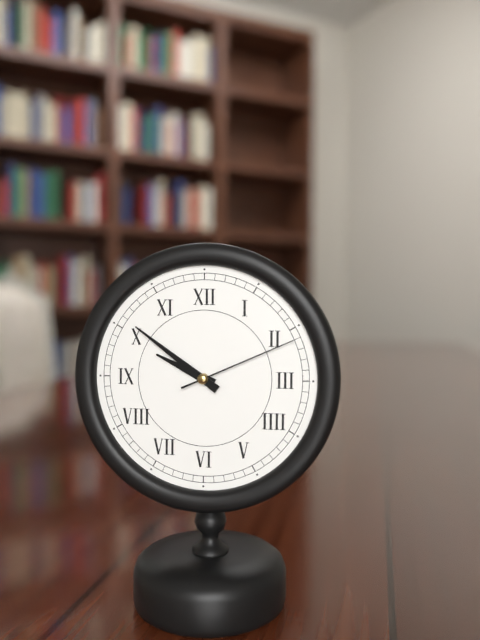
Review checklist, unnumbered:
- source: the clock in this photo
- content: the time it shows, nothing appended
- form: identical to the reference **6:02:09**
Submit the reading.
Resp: **9:51:11**
